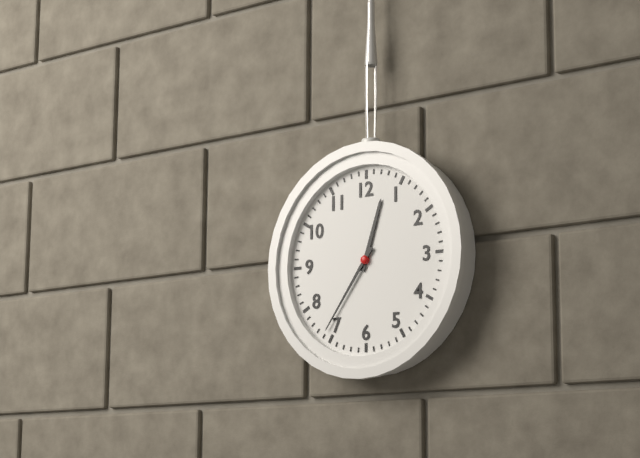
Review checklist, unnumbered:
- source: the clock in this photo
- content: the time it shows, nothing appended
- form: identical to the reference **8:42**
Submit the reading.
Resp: **12:36**
